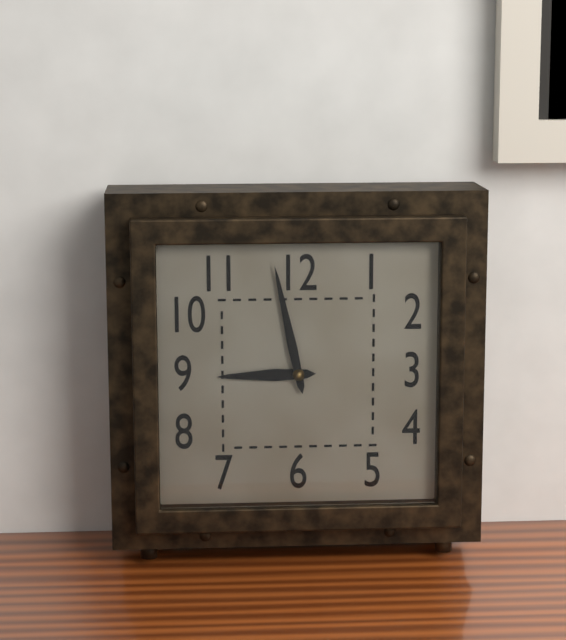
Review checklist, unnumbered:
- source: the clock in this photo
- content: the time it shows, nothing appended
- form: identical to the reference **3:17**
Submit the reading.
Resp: **8:58**
